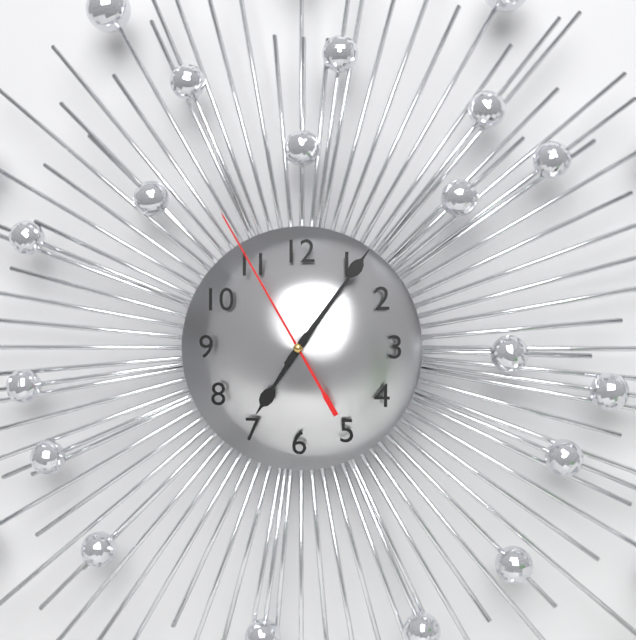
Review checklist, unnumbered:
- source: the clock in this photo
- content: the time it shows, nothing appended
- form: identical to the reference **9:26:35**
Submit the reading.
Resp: **7:06:55**
